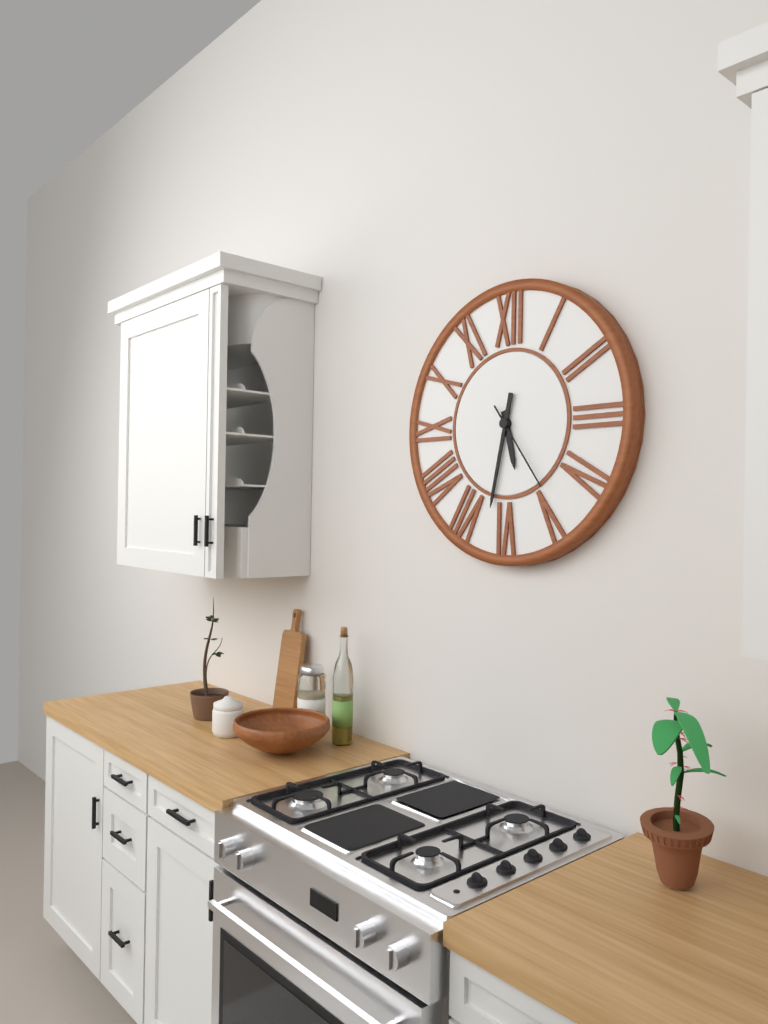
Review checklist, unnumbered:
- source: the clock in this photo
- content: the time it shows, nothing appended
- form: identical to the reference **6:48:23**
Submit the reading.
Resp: **5:32:24**
